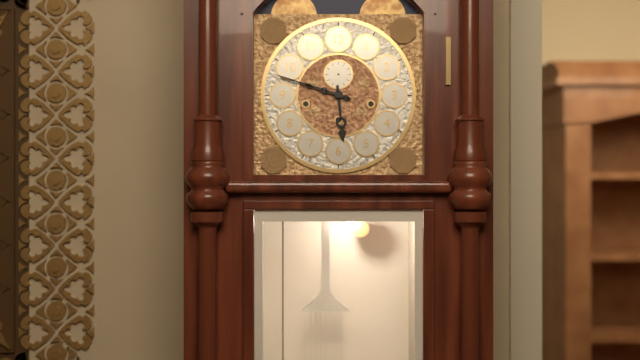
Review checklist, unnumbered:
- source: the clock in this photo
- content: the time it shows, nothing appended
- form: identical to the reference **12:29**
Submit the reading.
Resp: **5:48**
